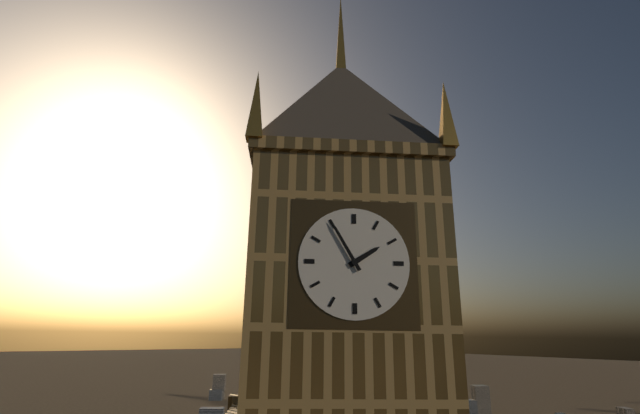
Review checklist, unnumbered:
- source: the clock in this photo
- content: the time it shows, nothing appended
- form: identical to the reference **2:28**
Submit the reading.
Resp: **1:55**
